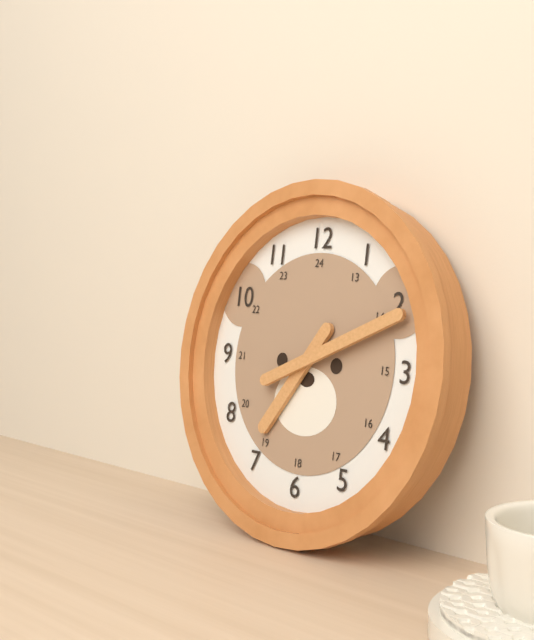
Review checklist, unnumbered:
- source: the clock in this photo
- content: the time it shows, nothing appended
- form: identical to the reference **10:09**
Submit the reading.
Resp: **7:11**
